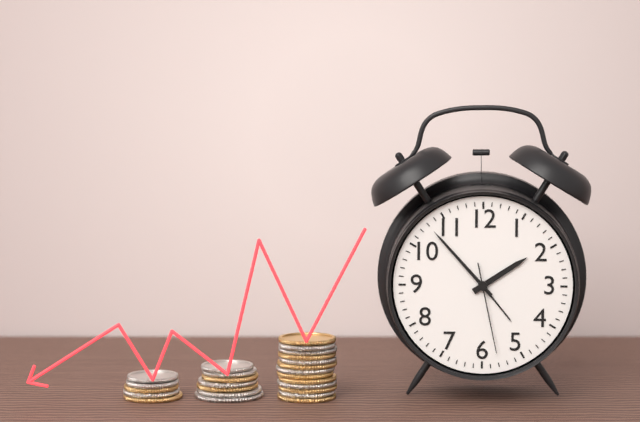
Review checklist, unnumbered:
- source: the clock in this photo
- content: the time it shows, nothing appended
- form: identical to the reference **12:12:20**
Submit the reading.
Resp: **1:53:28**
